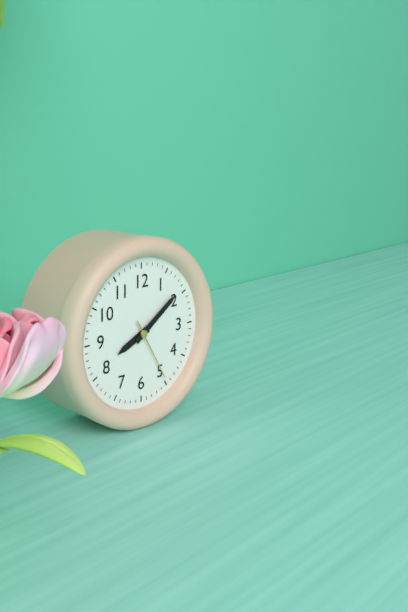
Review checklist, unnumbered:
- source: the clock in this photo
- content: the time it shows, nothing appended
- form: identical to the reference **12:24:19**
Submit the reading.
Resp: **8:09:25**
